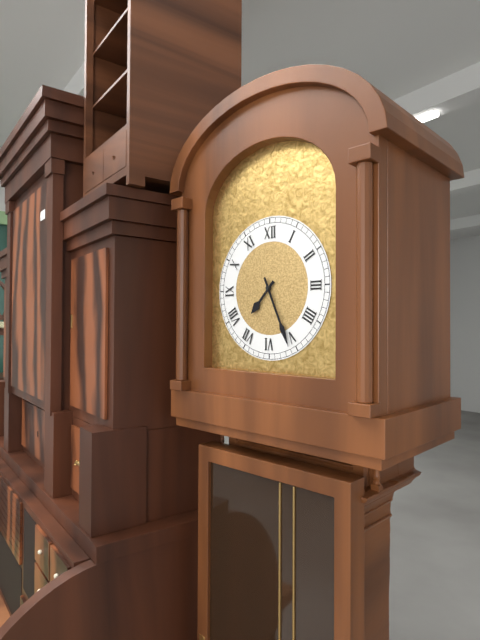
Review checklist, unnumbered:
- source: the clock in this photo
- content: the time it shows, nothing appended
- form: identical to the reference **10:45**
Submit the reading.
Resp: **7:26**
